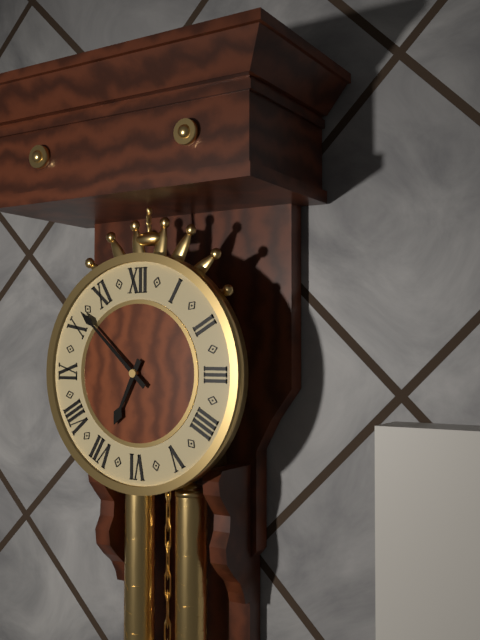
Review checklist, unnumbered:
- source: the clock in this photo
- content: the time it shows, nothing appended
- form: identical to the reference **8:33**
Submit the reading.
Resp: **6:52**
